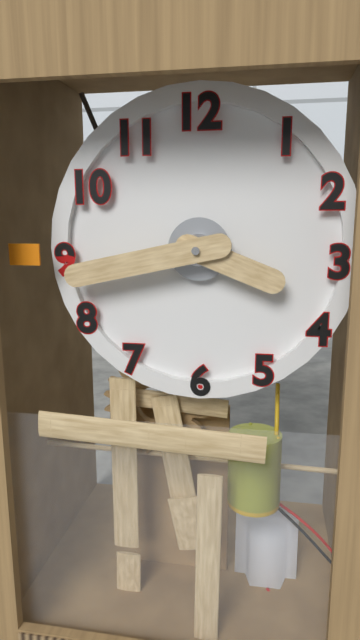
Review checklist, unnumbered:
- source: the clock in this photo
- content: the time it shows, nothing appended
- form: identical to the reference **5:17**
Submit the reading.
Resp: **3:43**
